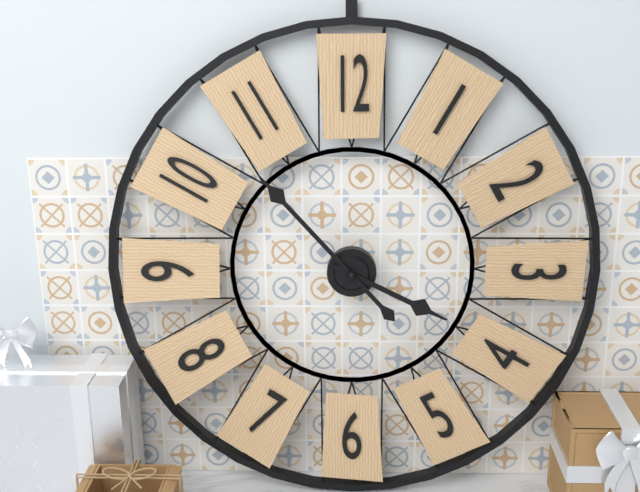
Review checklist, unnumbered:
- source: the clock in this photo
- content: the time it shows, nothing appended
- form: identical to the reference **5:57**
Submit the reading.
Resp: **3:53**
